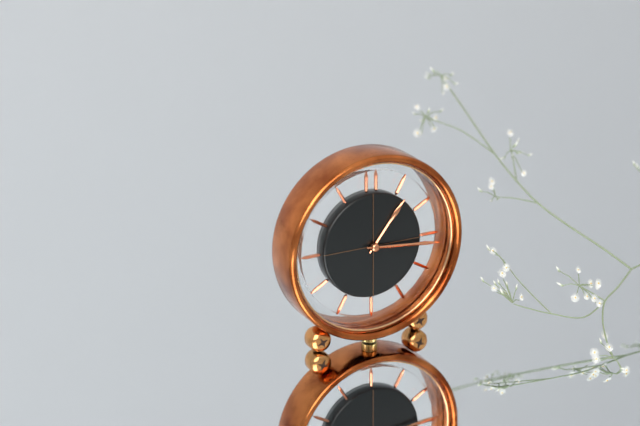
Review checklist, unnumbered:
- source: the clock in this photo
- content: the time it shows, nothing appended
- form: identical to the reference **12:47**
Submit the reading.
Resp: **1:16**
